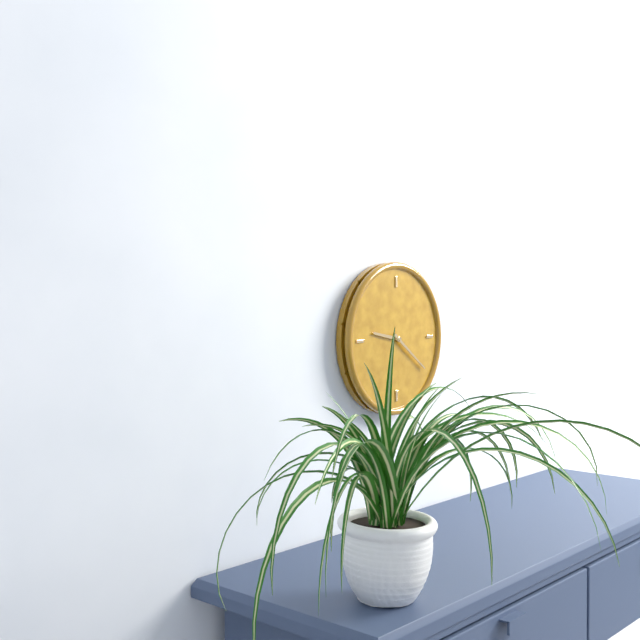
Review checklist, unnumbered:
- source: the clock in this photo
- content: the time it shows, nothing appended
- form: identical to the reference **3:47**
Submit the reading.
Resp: **9:21**
